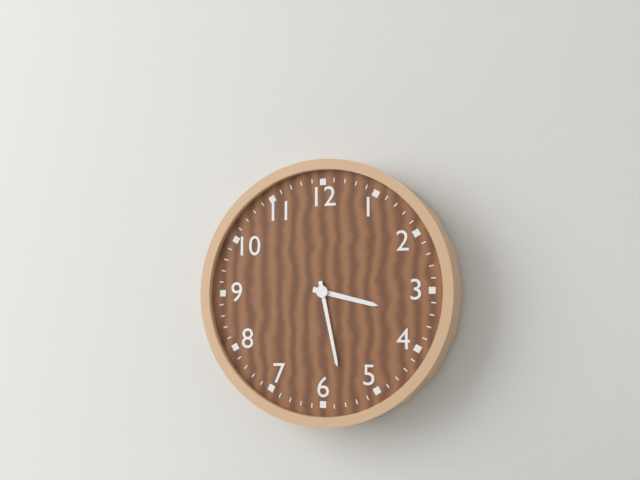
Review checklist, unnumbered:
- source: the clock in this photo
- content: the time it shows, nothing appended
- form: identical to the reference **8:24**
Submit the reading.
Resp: **3:28**
